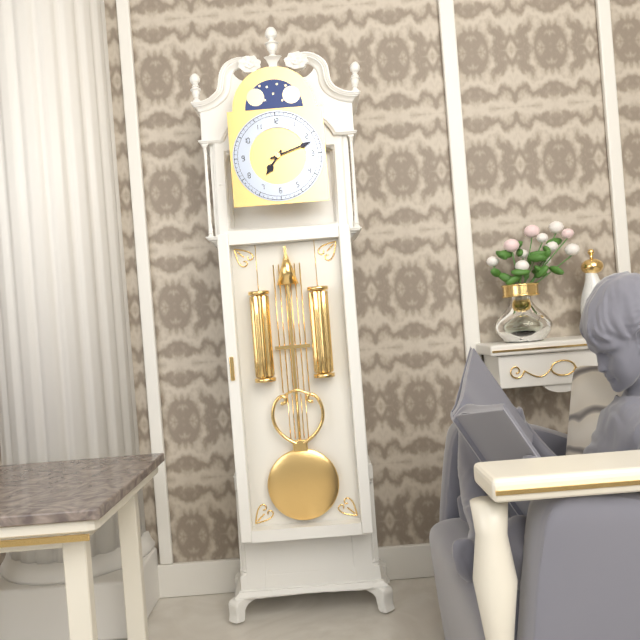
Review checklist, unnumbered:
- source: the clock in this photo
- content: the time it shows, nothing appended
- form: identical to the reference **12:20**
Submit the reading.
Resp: **7:12**
